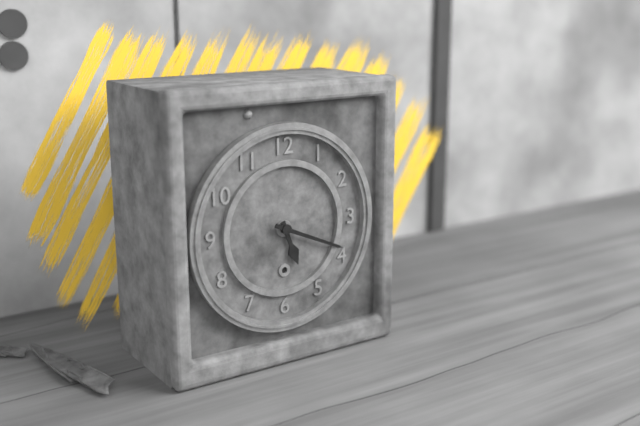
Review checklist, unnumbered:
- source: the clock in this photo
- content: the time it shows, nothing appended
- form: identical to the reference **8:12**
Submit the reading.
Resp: **5:19**
